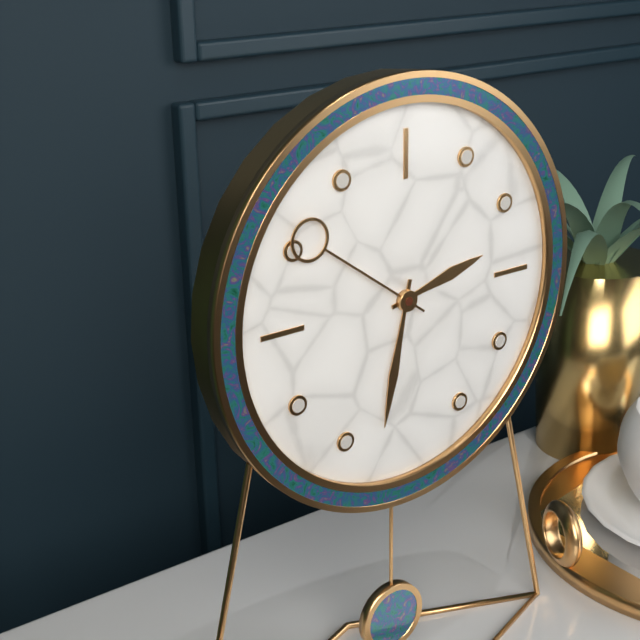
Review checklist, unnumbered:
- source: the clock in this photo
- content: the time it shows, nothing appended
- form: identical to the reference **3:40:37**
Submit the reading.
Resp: **2:32:51**
